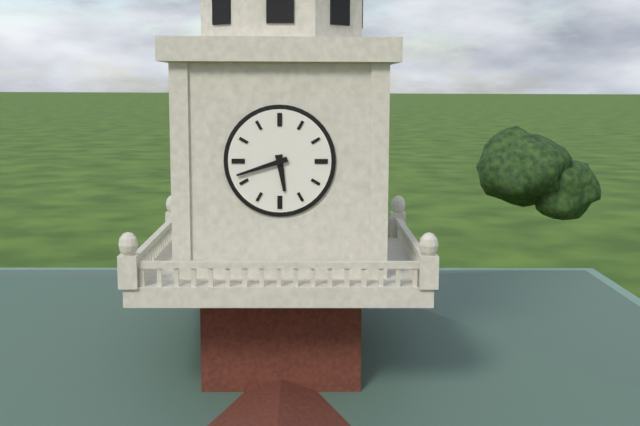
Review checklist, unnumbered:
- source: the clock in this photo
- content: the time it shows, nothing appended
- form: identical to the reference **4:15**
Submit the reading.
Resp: **5:42**
